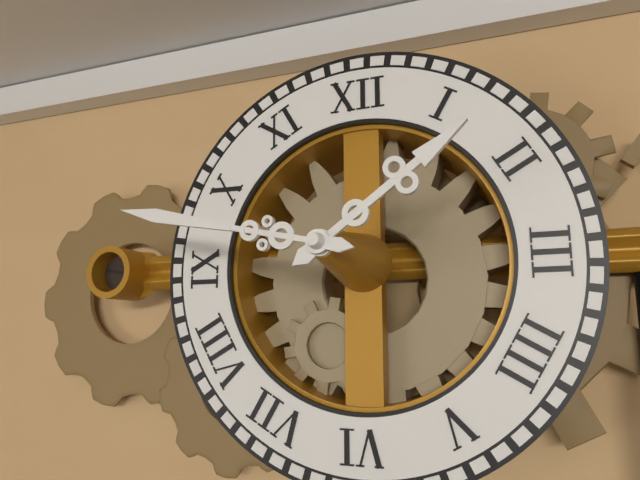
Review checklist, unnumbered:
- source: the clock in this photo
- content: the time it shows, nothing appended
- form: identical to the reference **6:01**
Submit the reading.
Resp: **1:47**
